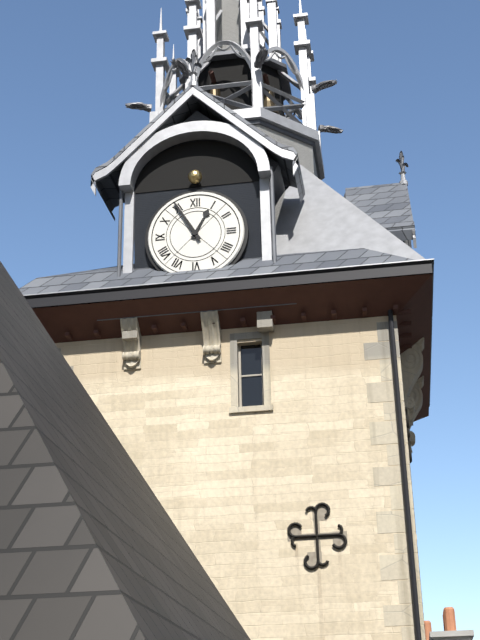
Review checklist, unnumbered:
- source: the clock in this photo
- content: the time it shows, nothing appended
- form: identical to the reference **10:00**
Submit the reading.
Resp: **12:55**
